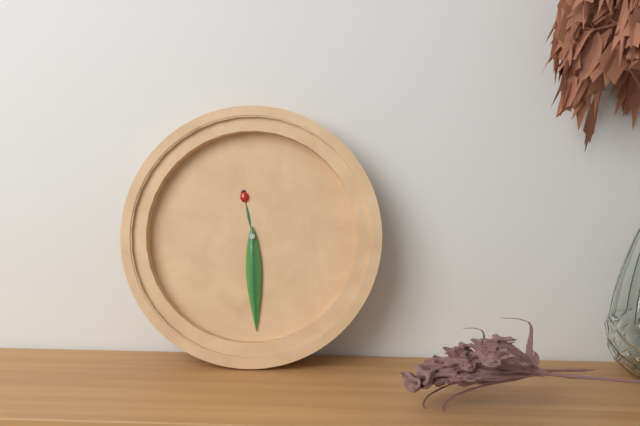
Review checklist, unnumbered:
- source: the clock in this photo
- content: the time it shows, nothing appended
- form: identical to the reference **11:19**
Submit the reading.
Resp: **11:29**
